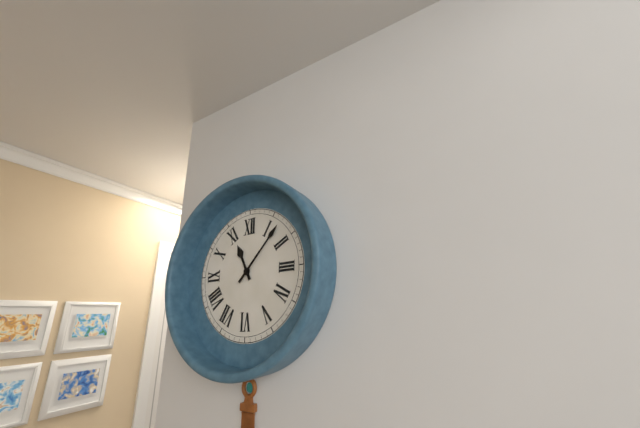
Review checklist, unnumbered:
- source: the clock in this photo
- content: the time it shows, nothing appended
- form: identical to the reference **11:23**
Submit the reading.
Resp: **11:07**
